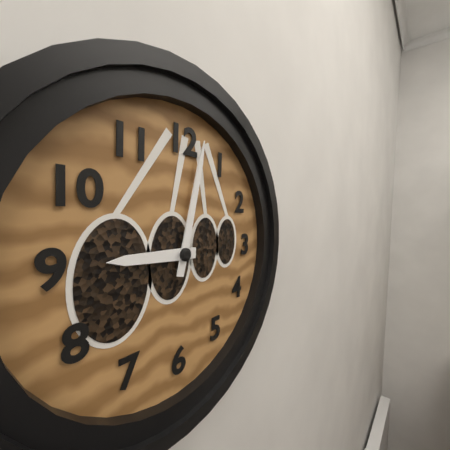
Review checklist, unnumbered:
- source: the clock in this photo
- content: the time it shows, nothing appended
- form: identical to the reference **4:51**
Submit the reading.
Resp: **9:02**
